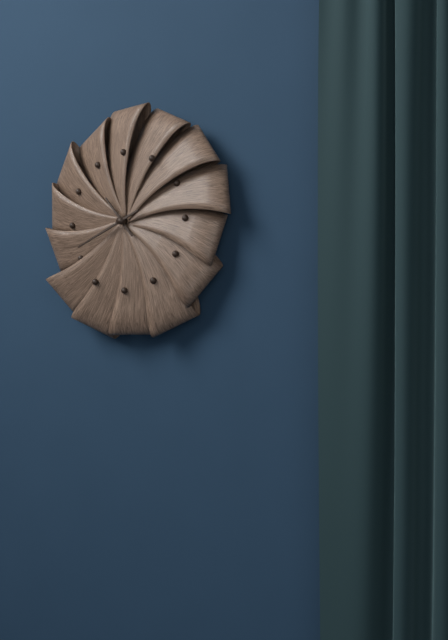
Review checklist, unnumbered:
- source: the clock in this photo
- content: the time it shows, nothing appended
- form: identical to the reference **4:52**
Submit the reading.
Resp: **10:41**
